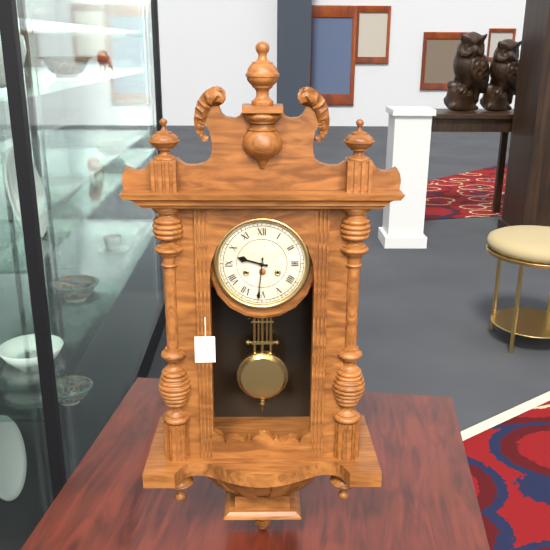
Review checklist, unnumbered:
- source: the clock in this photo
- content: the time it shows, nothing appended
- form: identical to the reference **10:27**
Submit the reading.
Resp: **9:31**
